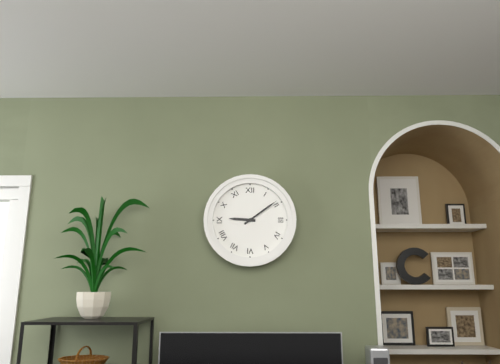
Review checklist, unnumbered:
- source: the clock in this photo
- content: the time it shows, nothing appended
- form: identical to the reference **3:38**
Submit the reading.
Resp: **9:09**
